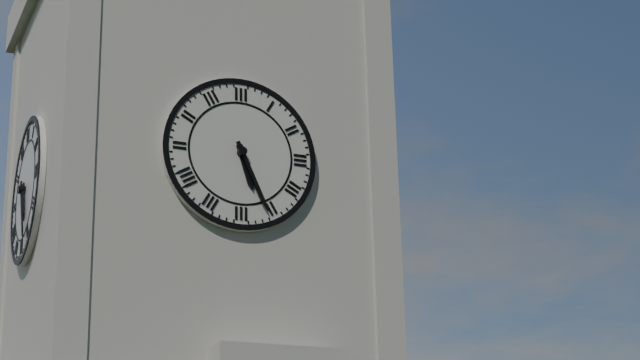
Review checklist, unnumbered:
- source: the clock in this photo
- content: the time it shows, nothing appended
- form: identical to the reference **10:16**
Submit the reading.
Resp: **5:26**
